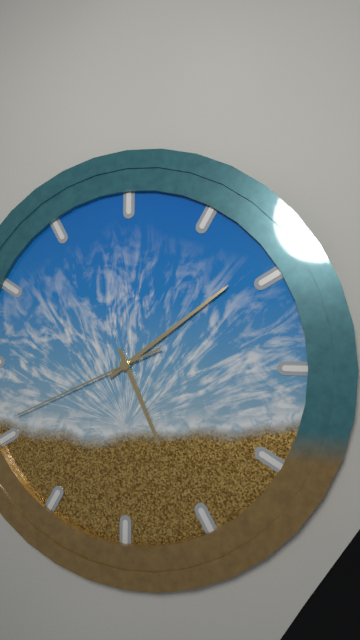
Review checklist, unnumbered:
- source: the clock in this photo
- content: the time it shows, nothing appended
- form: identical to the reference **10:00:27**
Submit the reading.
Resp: **5:09:41**
